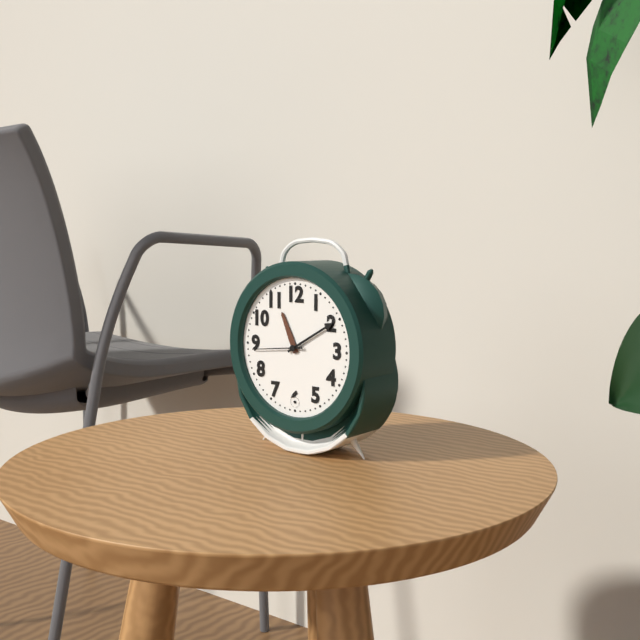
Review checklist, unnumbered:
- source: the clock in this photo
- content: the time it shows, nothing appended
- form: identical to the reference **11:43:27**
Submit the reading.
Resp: **11:10:44**
